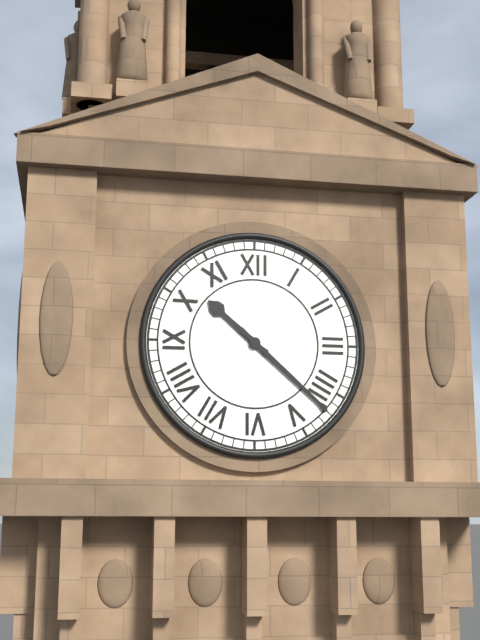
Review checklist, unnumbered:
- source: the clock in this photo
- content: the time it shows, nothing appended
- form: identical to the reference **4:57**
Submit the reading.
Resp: **10:22**
